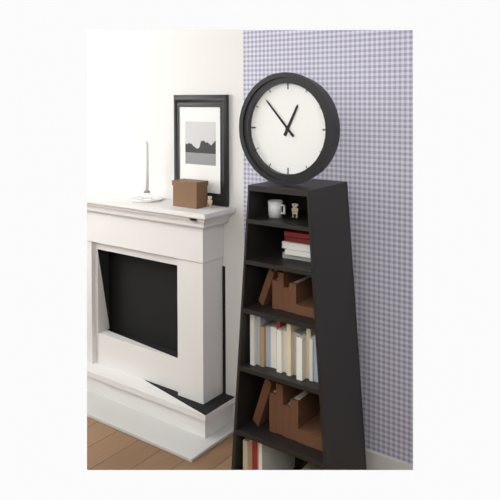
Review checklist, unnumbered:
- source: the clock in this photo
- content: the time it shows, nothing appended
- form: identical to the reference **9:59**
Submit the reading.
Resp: **12:53**
